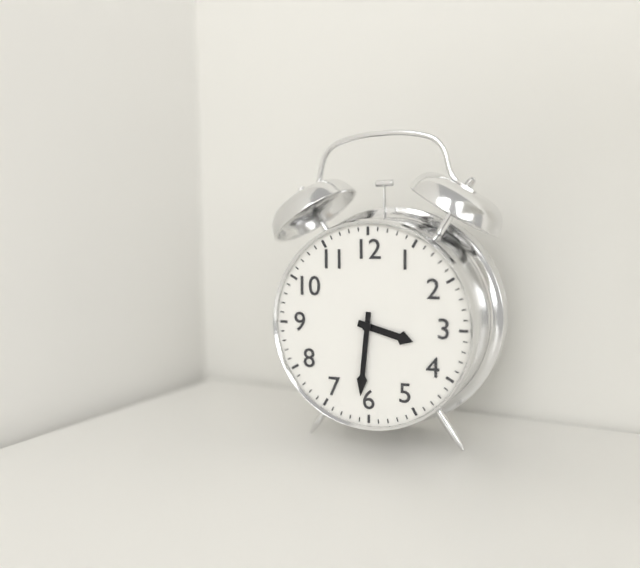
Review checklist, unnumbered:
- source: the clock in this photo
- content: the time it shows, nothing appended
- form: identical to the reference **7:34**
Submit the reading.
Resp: **3:31**
